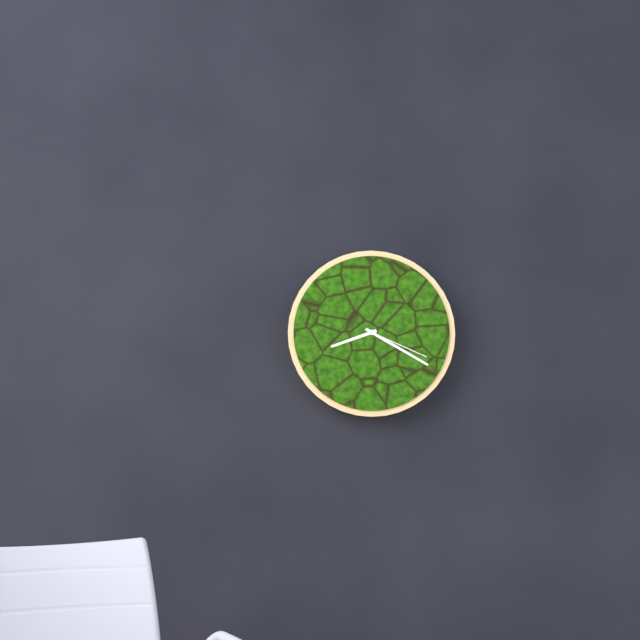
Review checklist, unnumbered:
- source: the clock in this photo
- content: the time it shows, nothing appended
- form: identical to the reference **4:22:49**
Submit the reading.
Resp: **8:20:19**
